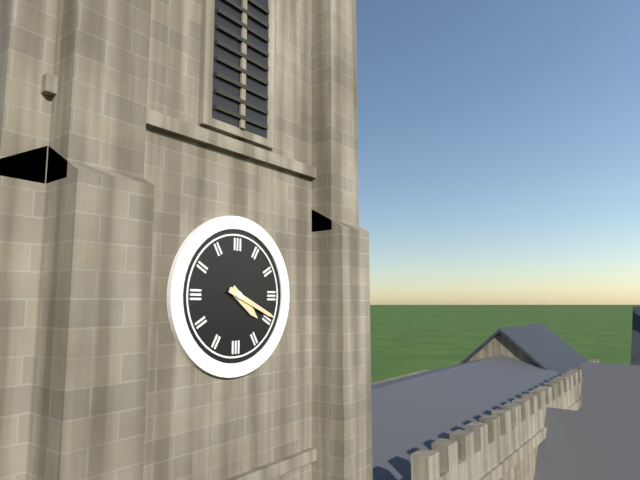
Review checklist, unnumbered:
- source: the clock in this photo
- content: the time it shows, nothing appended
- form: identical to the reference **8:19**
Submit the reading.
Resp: **4:19**
